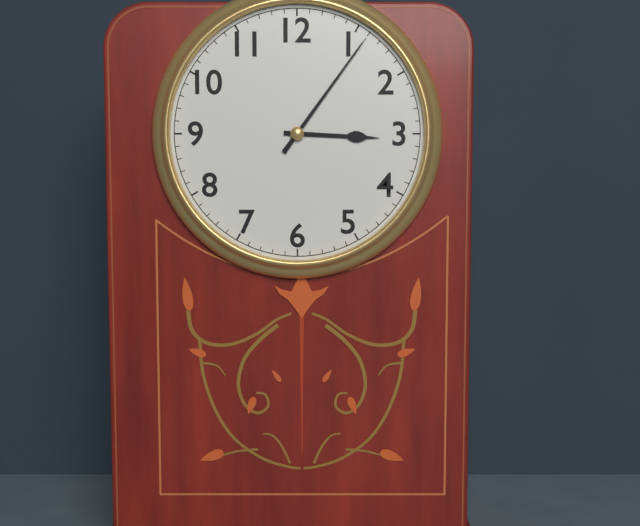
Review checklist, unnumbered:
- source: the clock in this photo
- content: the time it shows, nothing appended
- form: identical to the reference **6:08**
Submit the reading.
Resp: **3:06**
